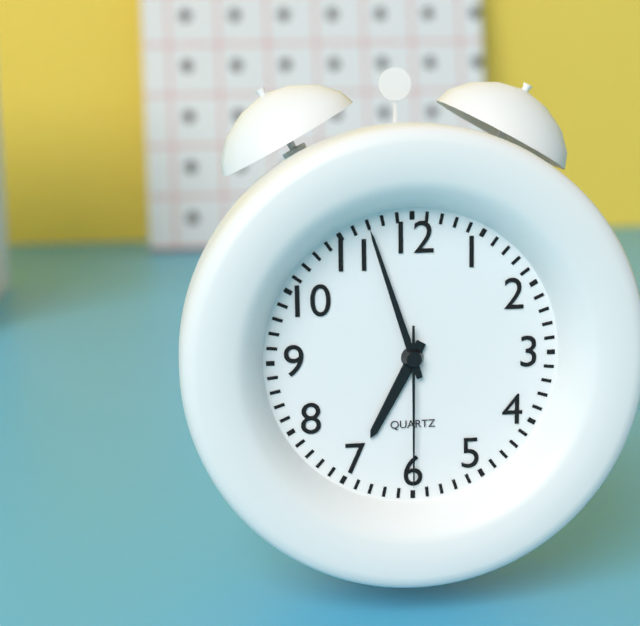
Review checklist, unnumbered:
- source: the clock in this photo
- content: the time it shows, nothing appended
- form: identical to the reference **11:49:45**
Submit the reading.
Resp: **6:57:30**
